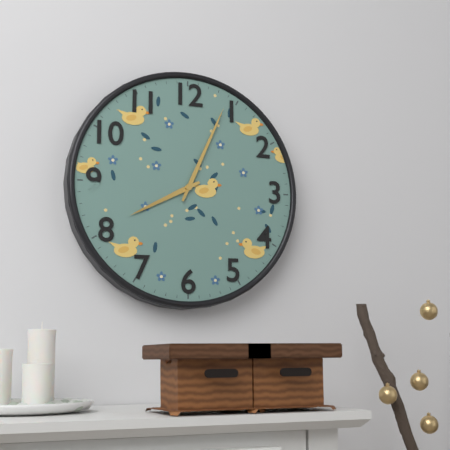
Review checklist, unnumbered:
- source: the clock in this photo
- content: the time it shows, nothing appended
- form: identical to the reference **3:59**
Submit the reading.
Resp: **8:04**
